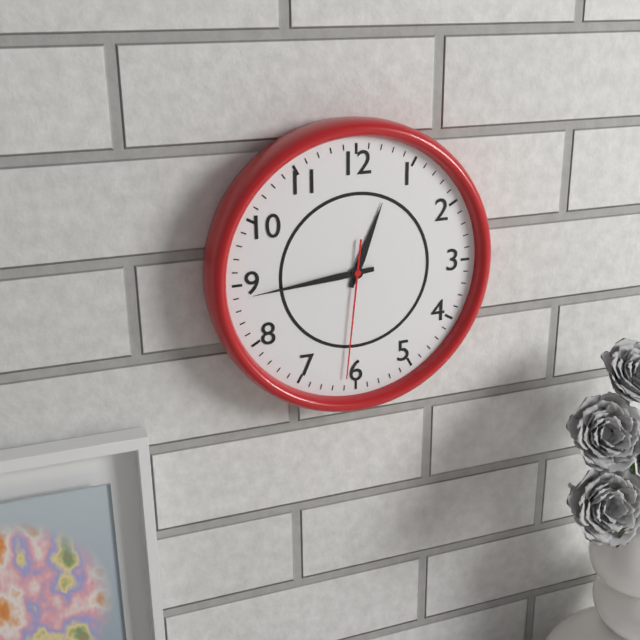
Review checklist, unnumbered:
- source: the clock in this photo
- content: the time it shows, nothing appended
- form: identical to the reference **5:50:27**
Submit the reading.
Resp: **12:44:31**
